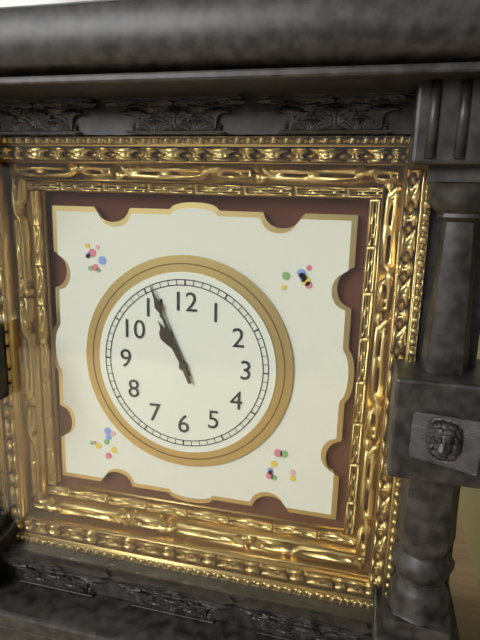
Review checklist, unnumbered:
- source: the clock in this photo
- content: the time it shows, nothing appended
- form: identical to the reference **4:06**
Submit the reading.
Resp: **10:56**
